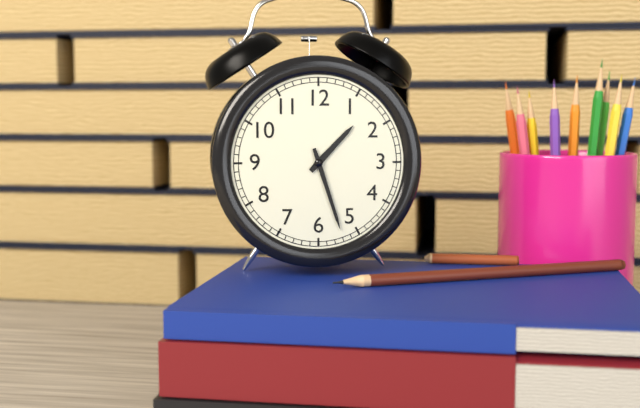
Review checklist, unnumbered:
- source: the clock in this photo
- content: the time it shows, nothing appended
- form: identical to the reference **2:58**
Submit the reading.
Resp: **1:27**
